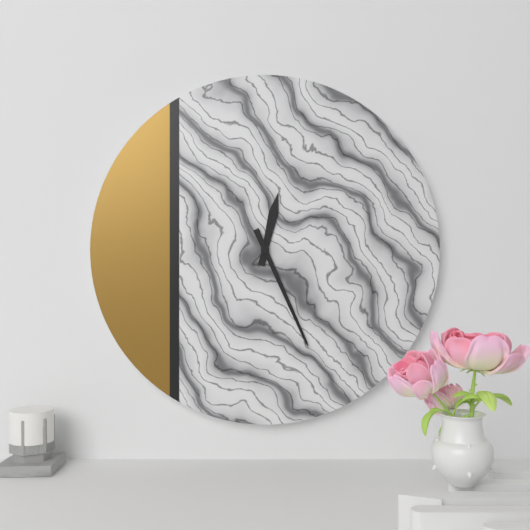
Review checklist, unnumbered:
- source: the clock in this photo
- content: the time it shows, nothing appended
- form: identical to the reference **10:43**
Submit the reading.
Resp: **12:26**
